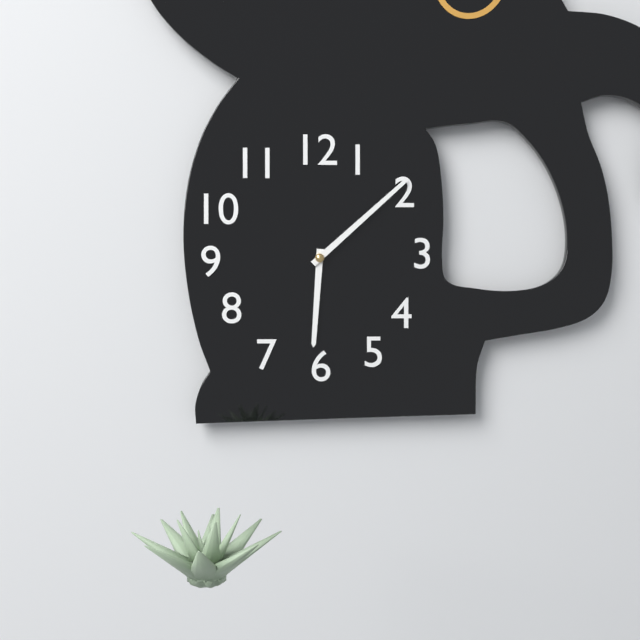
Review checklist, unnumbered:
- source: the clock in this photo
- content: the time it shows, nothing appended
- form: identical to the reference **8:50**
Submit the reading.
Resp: **6:08**
